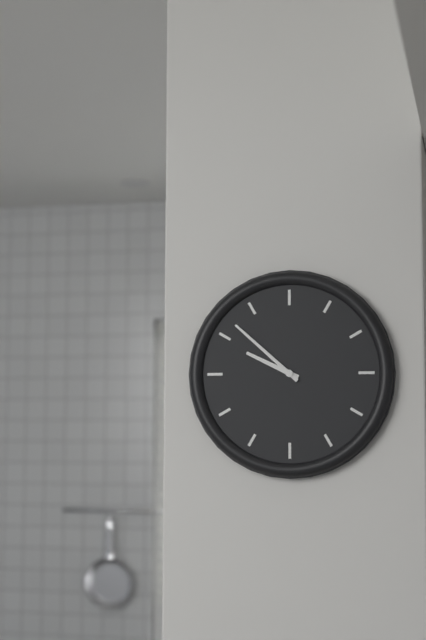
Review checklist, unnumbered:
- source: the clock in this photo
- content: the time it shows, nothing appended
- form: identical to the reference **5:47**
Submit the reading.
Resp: **9:52**
